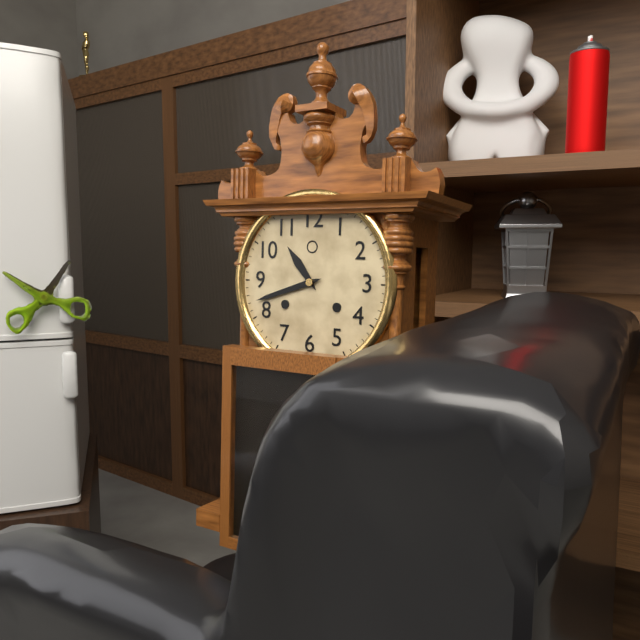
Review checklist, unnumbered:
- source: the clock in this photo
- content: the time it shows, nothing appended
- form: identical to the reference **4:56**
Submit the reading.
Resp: **10:42**
